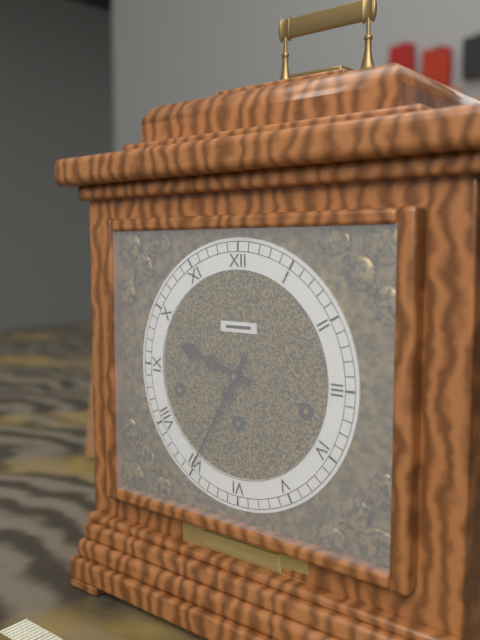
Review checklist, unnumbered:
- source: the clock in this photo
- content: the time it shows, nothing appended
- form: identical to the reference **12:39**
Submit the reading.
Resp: **9:35**
